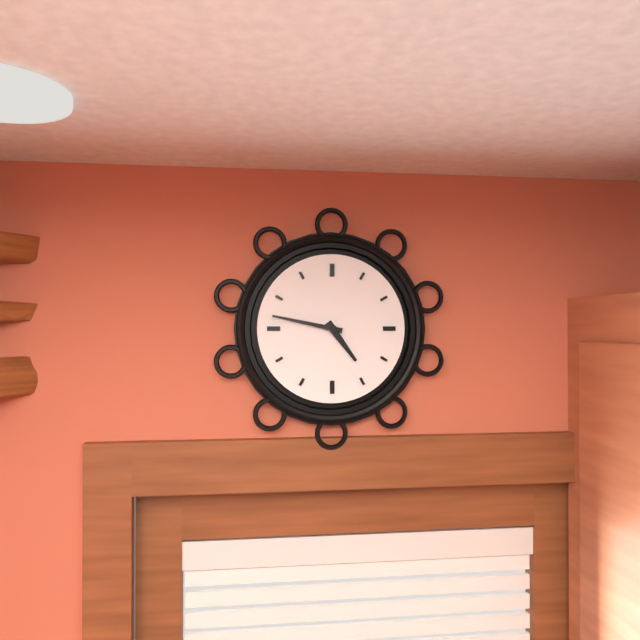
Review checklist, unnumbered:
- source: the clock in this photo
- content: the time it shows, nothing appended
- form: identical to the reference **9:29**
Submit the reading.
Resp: **4:47**
